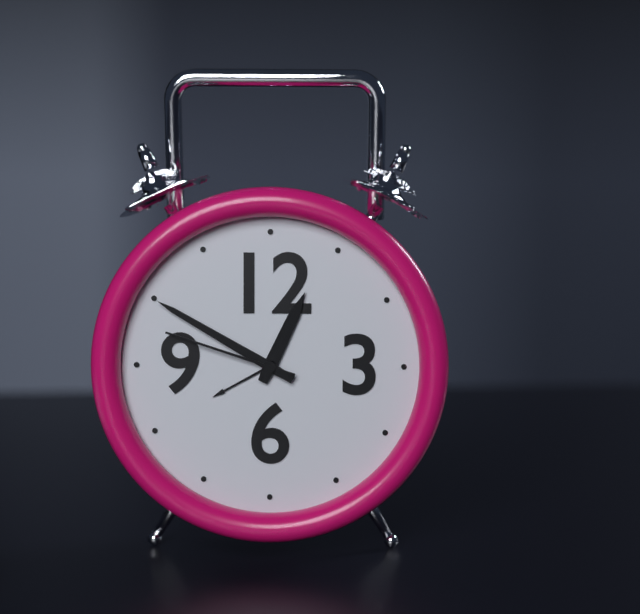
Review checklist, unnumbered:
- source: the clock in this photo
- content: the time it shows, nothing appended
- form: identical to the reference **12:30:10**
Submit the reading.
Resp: **12:50:48**
